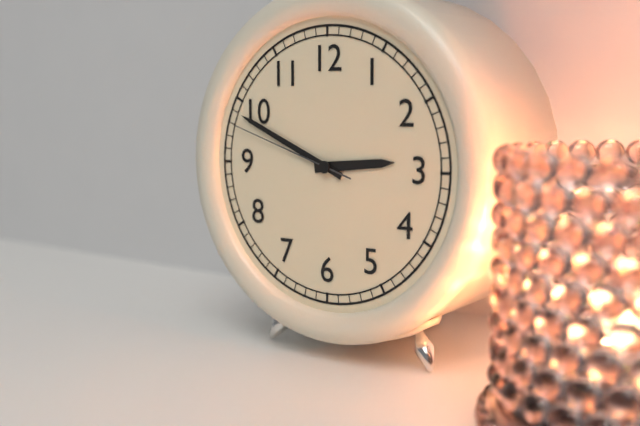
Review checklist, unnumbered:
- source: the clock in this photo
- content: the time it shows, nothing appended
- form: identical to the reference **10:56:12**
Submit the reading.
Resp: **2:49:48**
